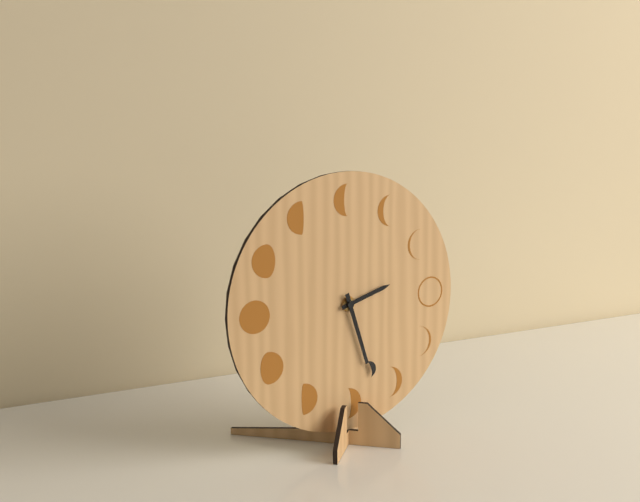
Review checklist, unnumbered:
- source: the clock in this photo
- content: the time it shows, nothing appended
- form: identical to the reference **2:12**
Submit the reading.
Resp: **2:27**
